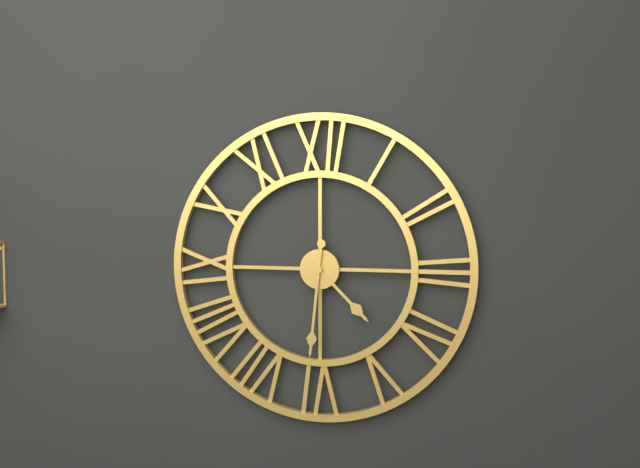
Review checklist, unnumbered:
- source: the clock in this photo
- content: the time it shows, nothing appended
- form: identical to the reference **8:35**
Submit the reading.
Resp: **4:31**
